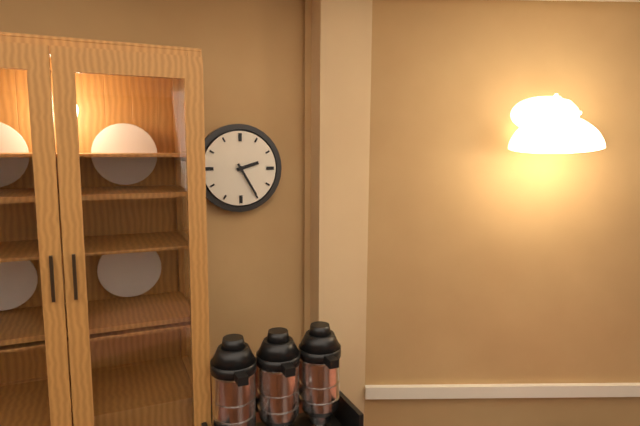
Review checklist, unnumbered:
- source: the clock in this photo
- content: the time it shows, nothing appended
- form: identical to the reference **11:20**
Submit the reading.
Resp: **2:25**
